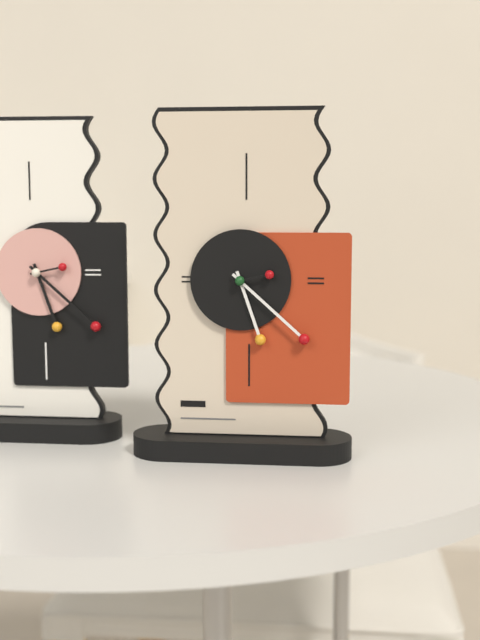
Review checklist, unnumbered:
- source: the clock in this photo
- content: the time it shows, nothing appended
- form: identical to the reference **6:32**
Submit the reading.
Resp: **5:22**
